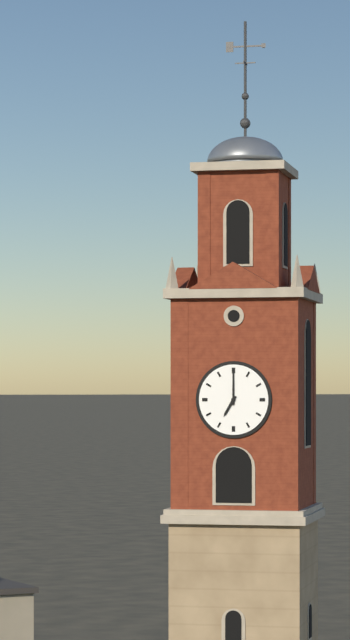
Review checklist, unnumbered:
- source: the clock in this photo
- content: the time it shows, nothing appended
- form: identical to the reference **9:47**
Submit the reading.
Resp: **7:00**
